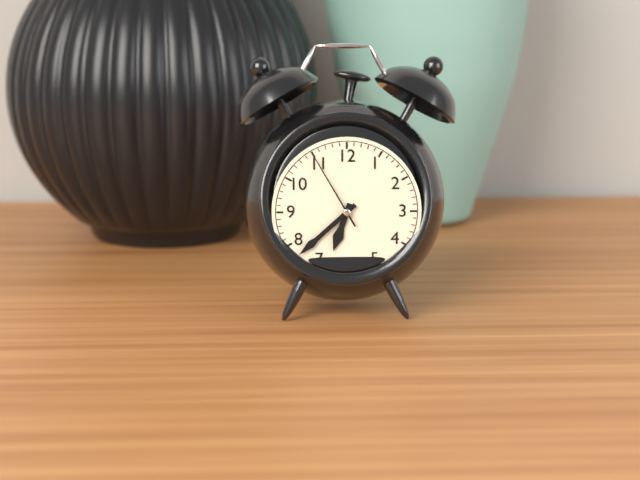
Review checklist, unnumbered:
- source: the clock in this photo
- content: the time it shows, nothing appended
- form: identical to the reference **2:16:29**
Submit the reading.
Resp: **6:38:55**
